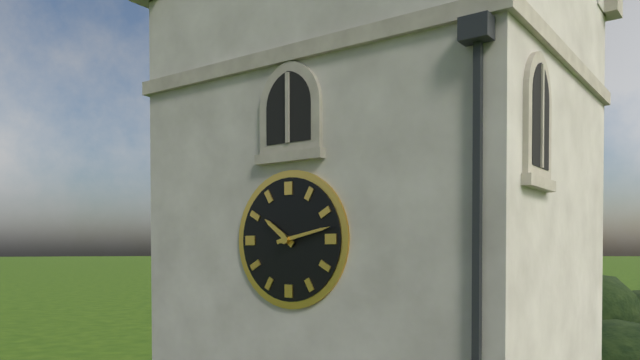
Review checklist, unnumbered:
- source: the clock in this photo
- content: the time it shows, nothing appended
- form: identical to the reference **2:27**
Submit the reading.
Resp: **10:13**
